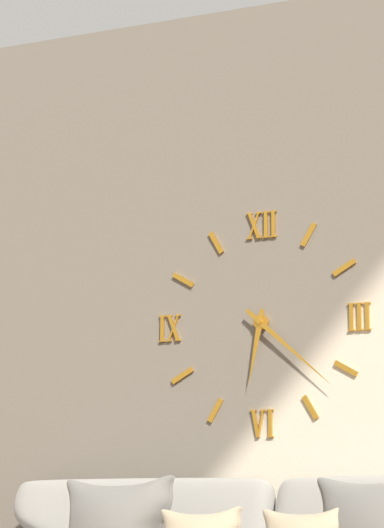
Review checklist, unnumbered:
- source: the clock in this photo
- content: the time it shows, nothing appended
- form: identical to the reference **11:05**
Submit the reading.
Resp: **6:22**
